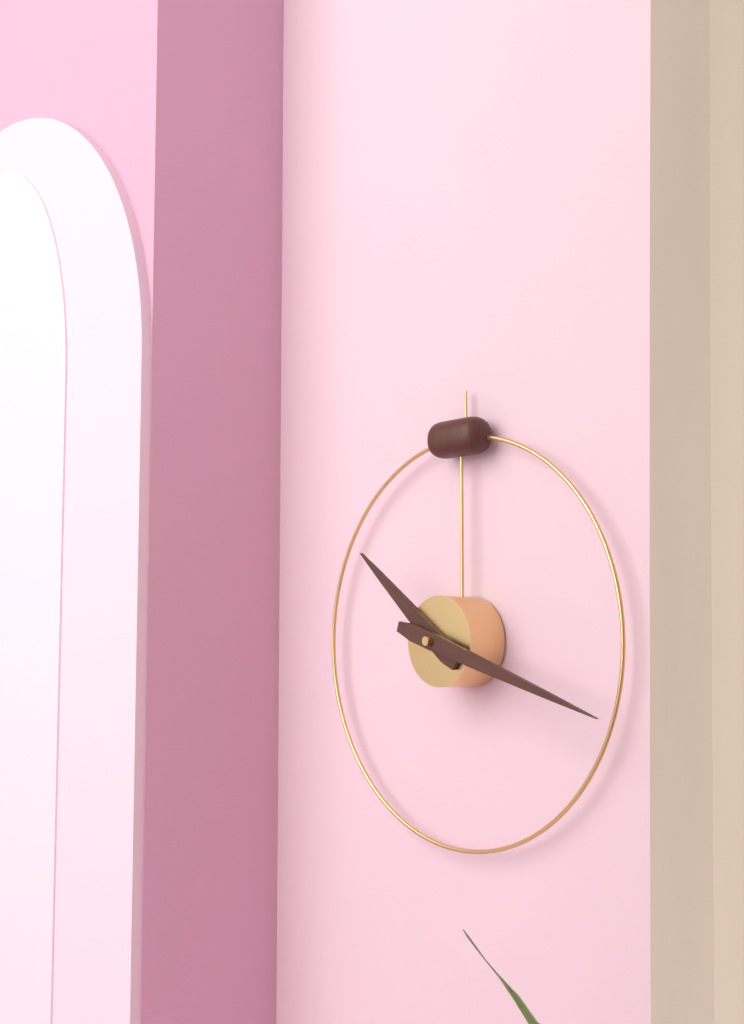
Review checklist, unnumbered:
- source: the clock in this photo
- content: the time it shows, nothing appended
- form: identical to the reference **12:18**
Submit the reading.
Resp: **10:18**
